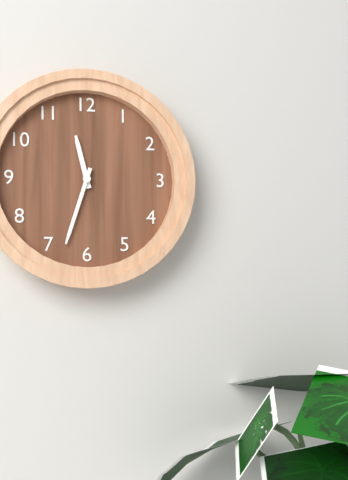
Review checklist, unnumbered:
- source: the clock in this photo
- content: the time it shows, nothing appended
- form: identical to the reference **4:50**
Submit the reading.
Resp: **11:33**
